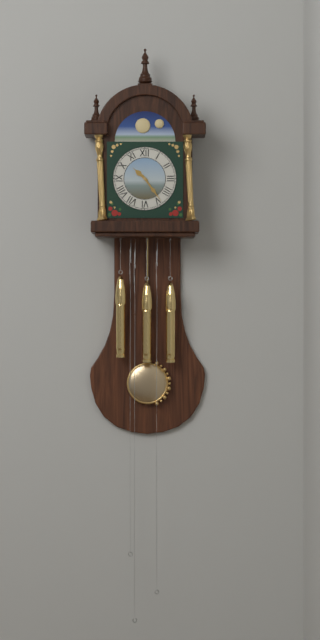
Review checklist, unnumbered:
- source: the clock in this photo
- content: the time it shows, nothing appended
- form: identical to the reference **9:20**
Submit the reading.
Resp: **10:24**
